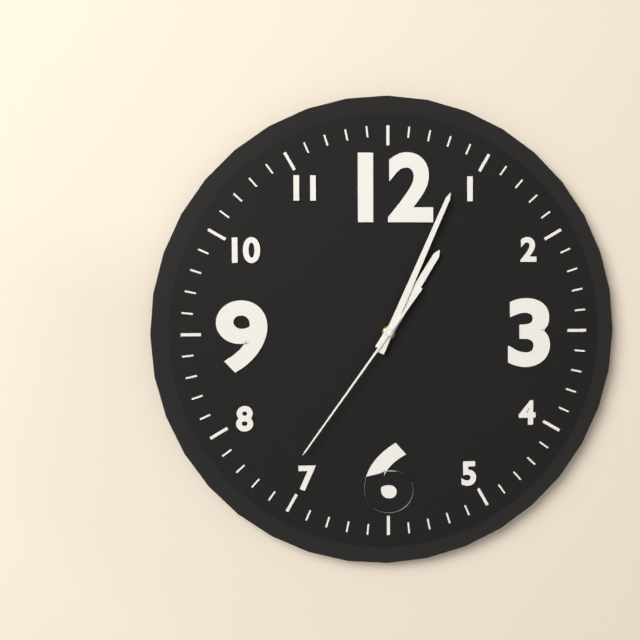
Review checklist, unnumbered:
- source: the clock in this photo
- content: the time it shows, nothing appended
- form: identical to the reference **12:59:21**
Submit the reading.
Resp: **1:04:36**
